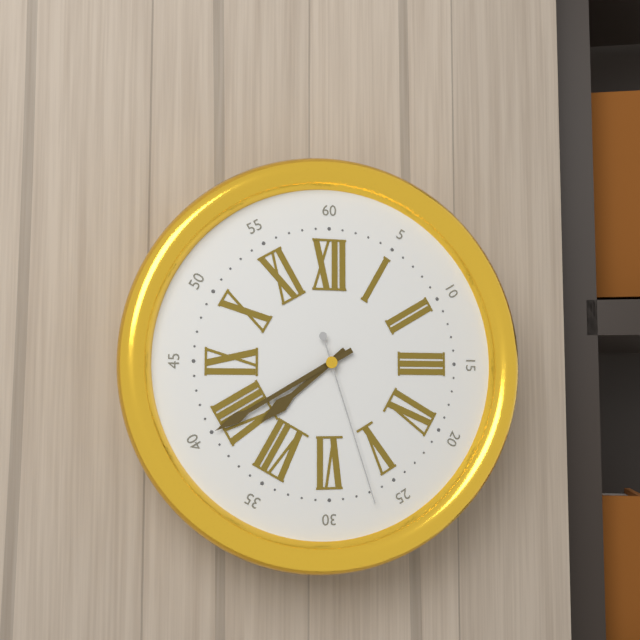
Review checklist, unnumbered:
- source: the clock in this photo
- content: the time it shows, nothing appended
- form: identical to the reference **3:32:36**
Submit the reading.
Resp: **7:40:27**
